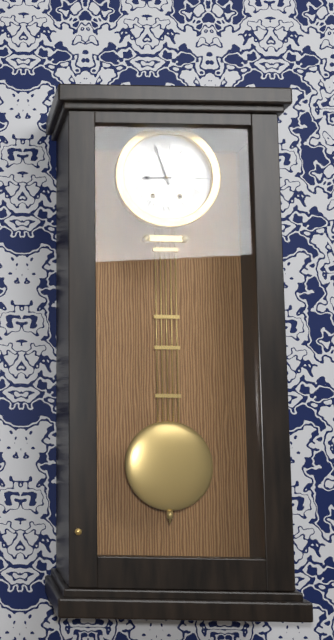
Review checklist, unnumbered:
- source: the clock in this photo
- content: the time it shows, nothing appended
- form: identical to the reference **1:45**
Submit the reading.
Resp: **8:57**
